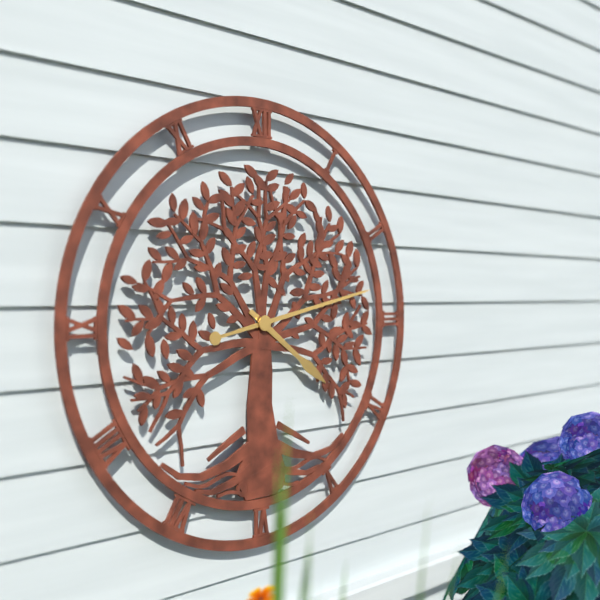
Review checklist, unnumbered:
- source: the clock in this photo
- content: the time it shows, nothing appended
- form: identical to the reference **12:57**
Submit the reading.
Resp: **4:13**
